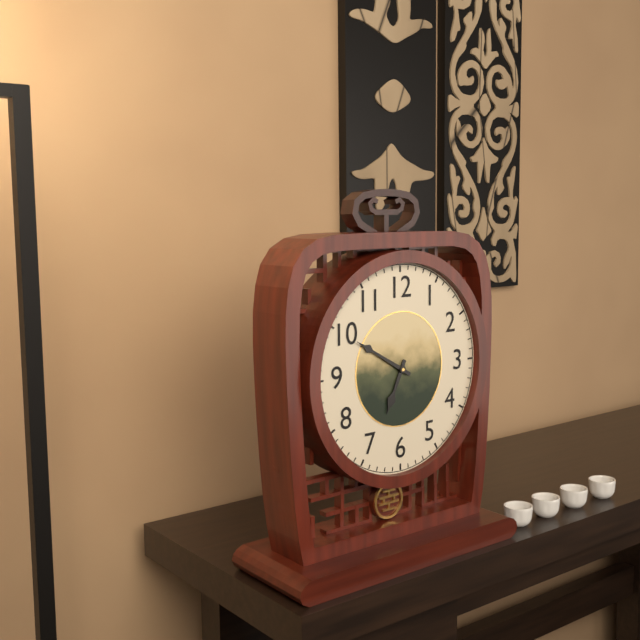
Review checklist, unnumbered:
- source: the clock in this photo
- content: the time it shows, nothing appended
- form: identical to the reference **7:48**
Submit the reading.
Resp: **6:50**
